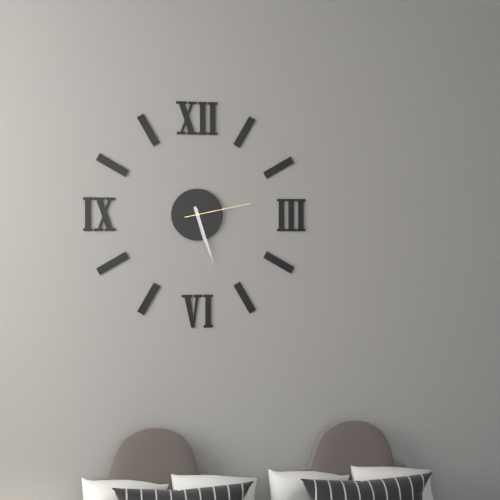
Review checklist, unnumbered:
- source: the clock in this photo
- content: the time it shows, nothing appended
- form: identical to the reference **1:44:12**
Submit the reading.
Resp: **5:27:13**
